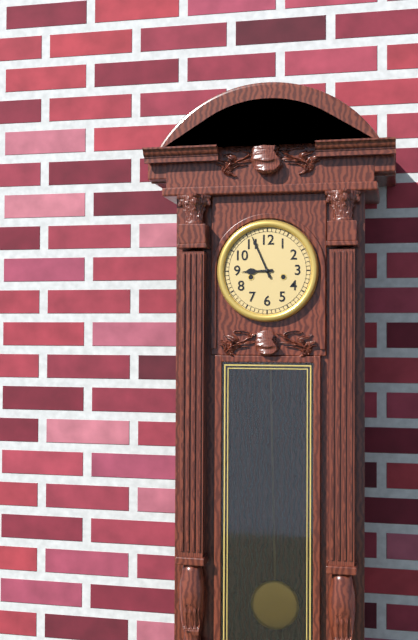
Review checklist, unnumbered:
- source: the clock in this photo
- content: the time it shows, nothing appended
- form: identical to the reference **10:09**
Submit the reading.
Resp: **8:56**
